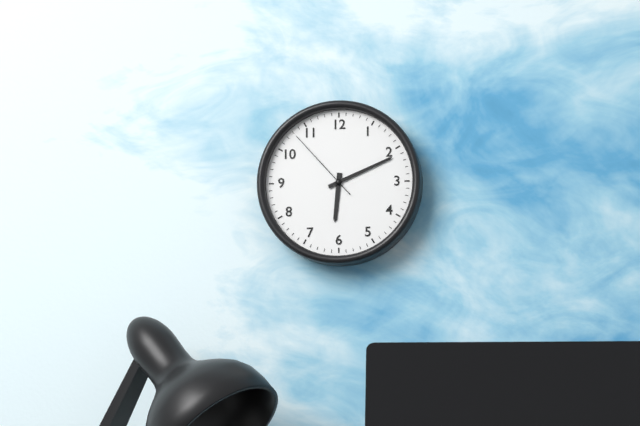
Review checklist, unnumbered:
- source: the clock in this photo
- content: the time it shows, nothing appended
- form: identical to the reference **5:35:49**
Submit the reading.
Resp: **6:11:53**
